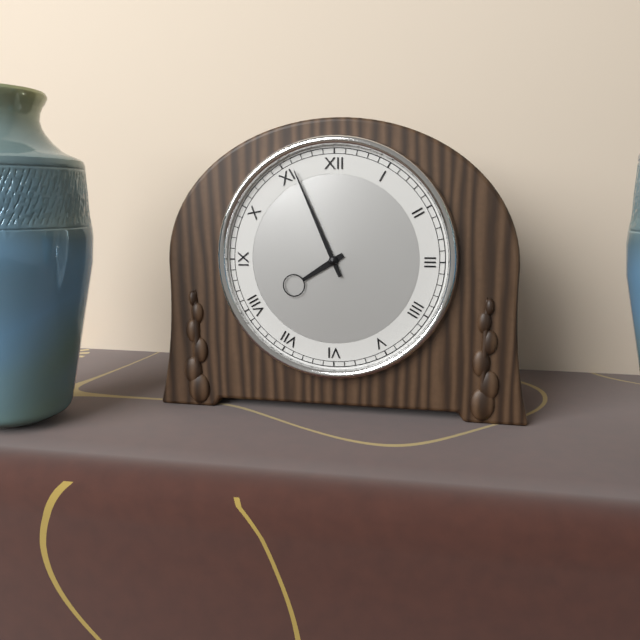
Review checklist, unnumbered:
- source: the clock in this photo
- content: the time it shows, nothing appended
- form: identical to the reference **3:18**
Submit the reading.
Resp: **7:56**
